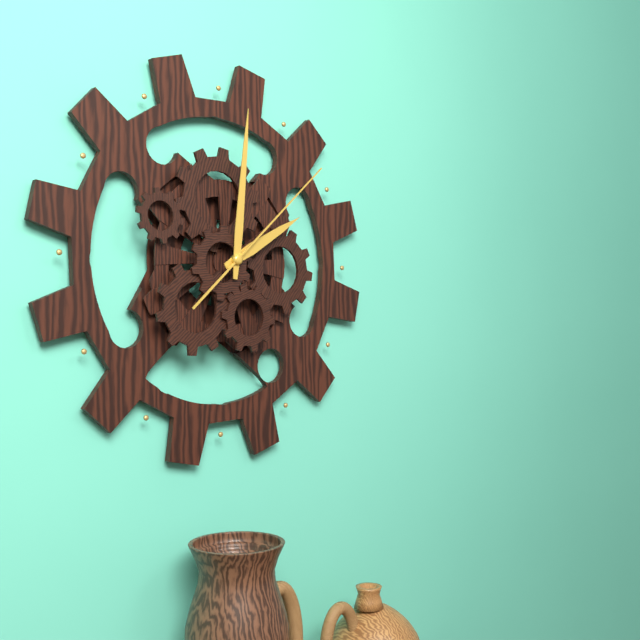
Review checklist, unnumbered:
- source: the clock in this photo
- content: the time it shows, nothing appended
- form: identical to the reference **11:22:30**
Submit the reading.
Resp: **2:01:08**
